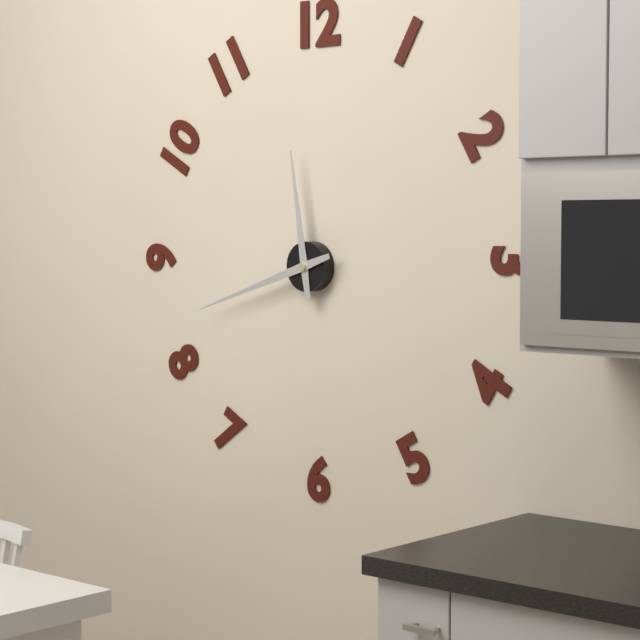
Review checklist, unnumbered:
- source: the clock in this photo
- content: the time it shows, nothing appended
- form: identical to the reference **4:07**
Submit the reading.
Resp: **11:42**
